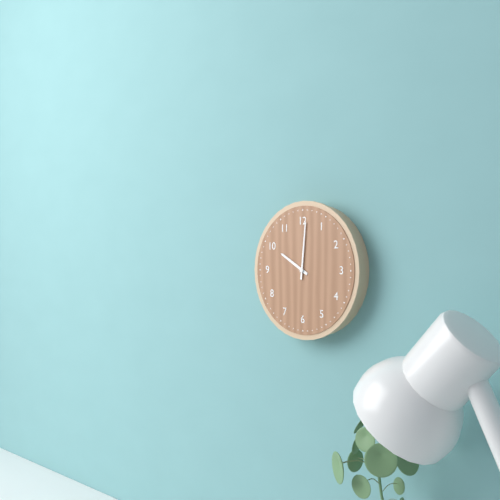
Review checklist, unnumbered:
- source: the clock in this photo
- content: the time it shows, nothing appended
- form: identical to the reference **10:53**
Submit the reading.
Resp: **10:01**
